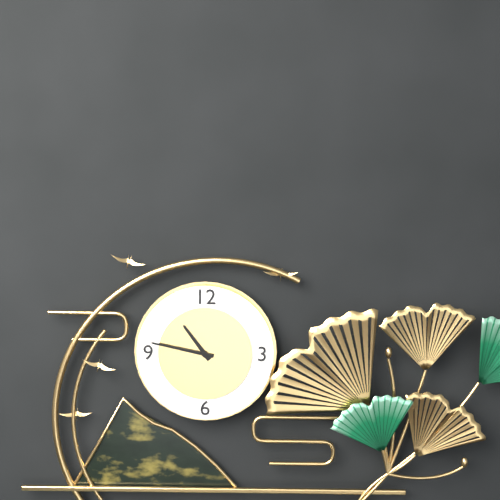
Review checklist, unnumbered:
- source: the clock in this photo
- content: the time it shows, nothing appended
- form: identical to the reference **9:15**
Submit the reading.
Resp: **10:47**
